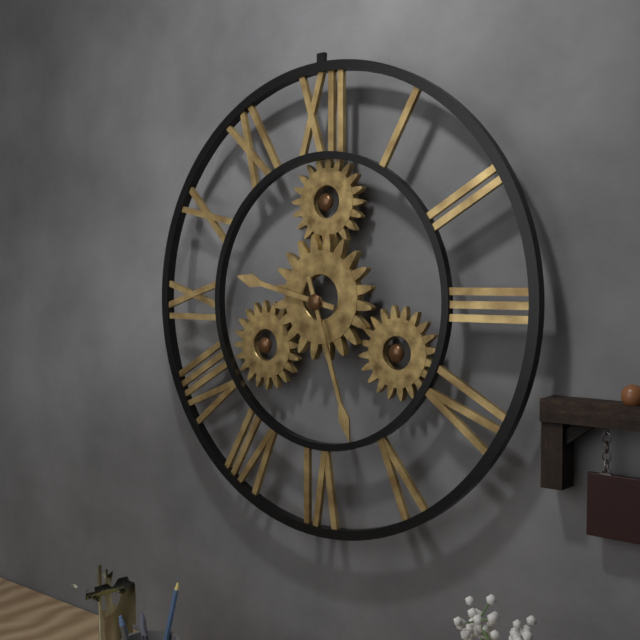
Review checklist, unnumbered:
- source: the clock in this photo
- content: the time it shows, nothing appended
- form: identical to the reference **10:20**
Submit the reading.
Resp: **9:27**
